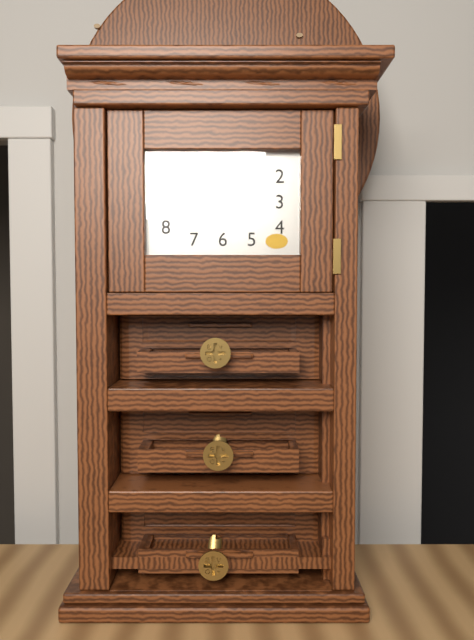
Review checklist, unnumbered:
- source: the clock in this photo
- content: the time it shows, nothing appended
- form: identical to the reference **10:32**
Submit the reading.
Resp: **9:45**
